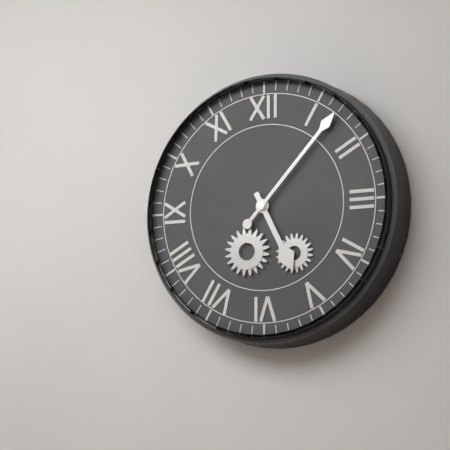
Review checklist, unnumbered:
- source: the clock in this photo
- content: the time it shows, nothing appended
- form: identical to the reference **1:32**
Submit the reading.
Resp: **5:07**
